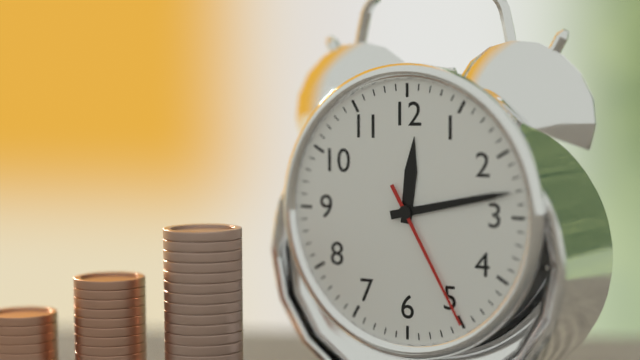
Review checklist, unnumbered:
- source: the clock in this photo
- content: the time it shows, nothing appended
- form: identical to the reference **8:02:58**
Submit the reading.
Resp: **12:13:25**
